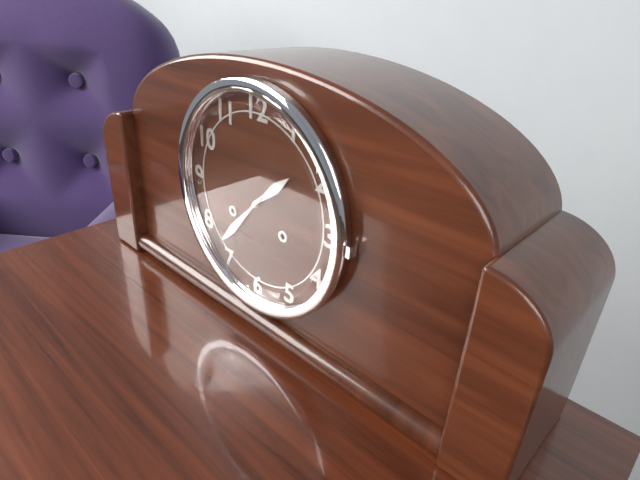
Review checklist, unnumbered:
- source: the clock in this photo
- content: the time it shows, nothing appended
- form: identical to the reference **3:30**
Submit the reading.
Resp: **1:37**
